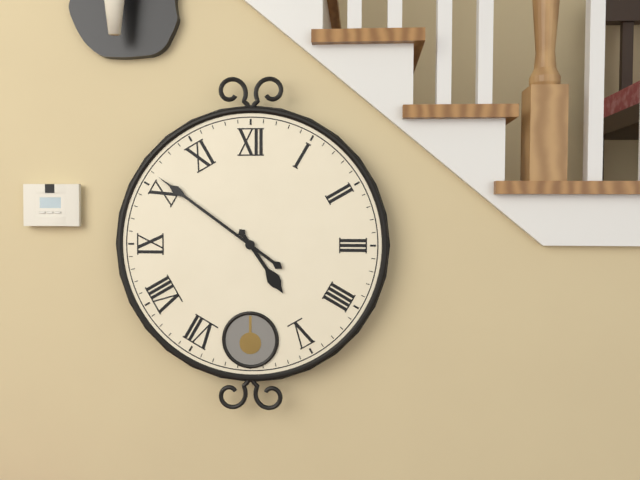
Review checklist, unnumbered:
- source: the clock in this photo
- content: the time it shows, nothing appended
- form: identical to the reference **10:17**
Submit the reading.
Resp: **4:51**
